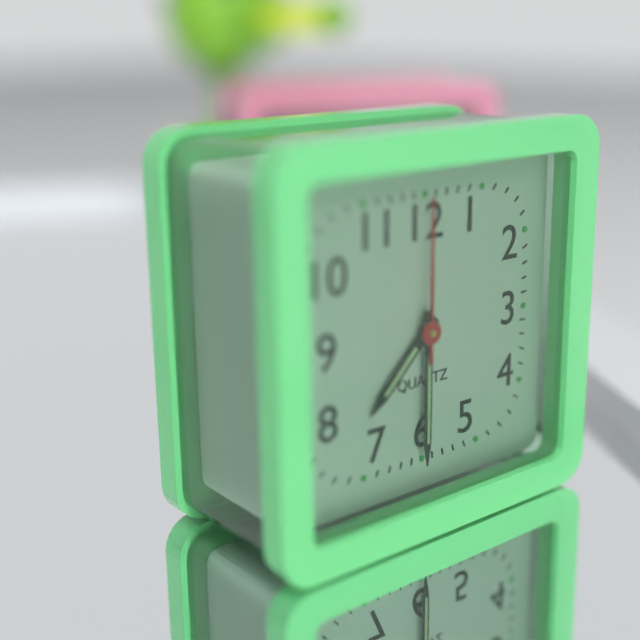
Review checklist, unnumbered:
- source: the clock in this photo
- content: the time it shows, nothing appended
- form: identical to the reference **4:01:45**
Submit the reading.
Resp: **7:30:00**
